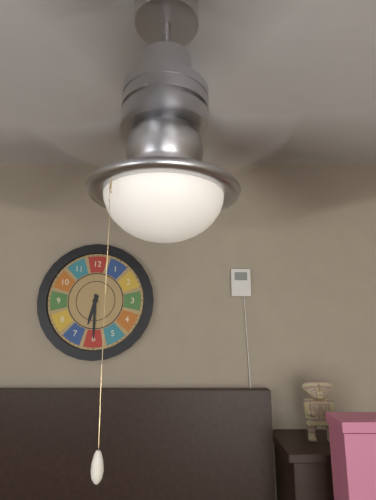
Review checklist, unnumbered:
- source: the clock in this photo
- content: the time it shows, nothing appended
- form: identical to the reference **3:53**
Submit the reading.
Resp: **6:30**
